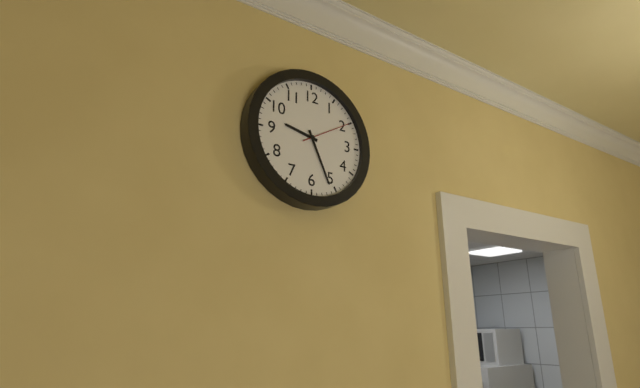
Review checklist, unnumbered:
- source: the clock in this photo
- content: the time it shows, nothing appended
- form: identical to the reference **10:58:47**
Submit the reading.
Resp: **9:26:10**
